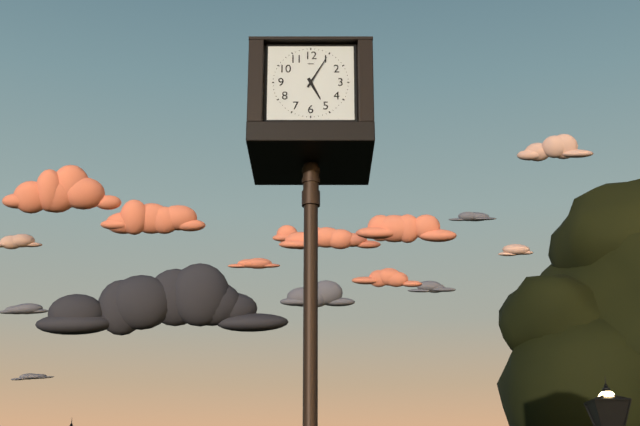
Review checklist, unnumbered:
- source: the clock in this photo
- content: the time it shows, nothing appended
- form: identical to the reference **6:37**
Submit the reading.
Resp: **5:05**
